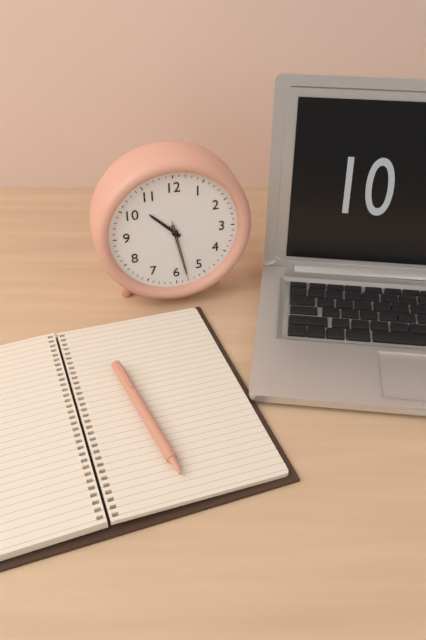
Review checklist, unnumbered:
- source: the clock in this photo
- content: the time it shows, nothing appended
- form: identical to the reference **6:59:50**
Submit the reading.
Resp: **10:28:28**
